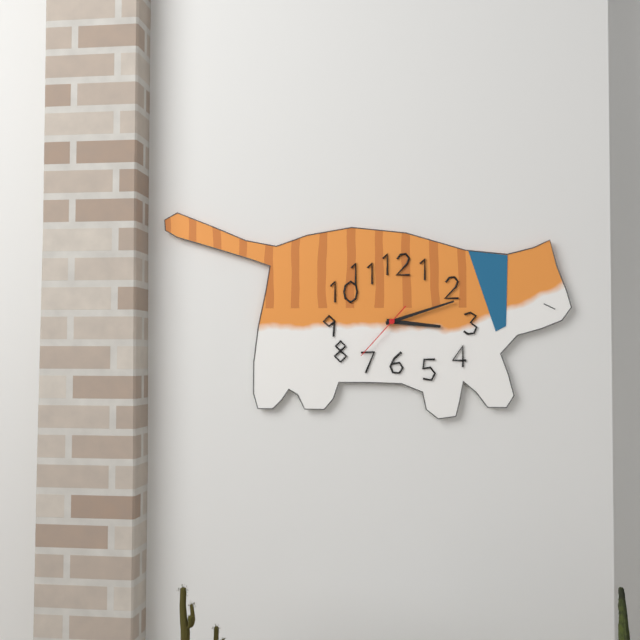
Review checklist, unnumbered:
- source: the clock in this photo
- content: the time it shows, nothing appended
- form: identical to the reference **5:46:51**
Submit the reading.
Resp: **3:12:37**
